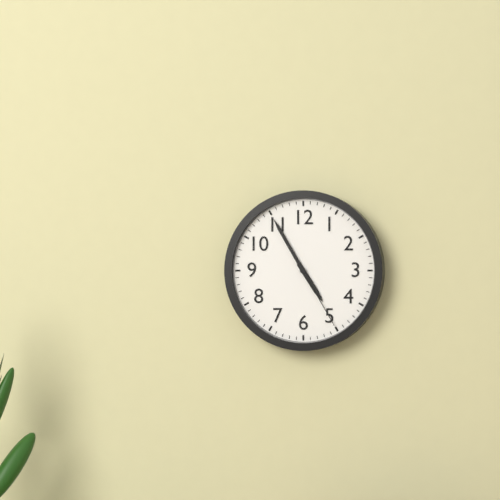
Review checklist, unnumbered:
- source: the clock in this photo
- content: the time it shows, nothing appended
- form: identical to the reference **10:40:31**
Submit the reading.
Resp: **4:55:25**
